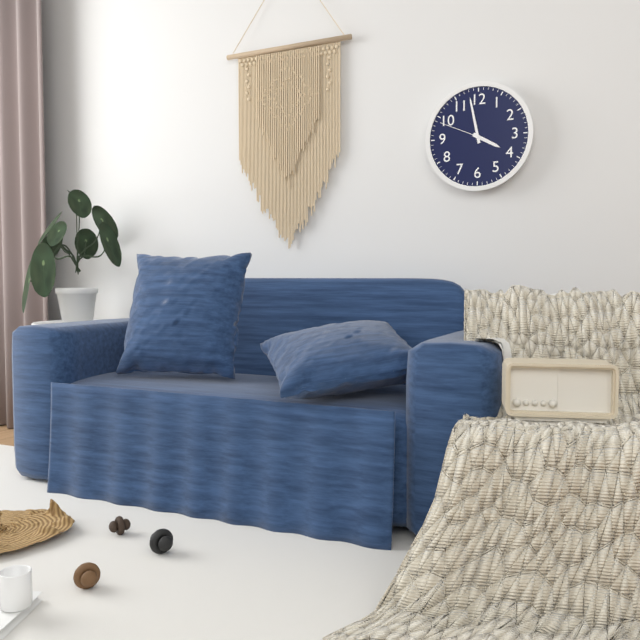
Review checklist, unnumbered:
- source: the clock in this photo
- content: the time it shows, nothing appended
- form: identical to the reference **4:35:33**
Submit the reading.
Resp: **3:58:49**
